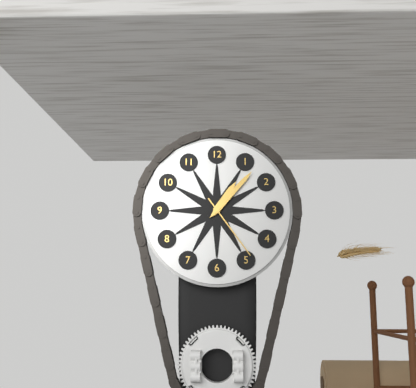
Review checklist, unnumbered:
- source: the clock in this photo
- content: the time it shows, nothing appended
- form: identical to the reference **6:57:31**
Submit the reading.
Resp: **1:07:24**
